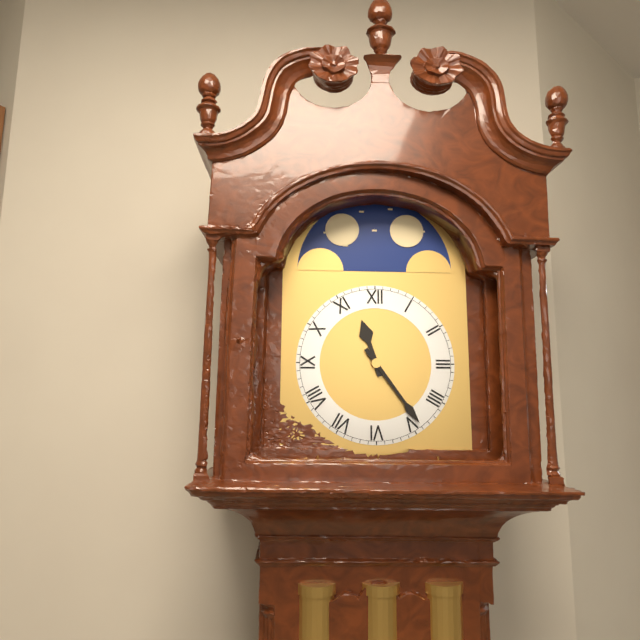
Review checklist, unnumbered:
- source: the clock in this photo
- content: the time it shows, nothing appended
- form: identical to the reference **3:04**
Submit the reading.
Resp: **11:24**
